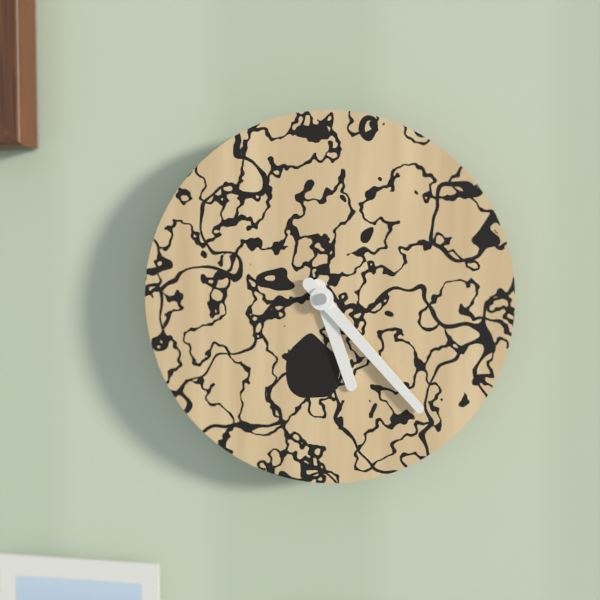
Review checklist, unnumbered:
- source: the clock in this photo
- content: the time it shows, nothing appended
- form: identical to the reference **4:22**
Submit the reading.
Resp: **5:23**
